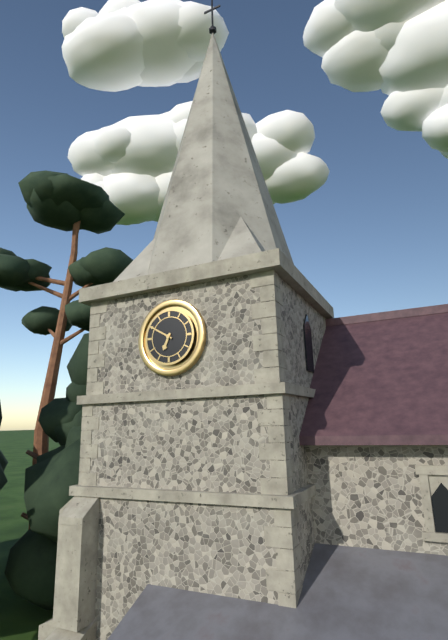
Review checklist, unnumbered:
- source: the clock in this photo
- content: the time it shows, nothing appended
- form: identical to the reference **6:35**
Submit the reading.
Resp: **6:50**
